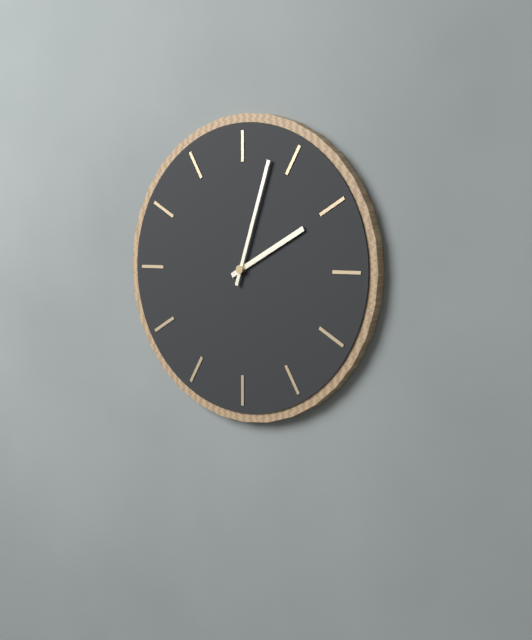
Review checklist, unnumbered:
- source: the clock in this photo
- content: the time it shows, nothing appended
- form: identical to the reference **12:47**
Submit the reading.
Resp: **2:03**
